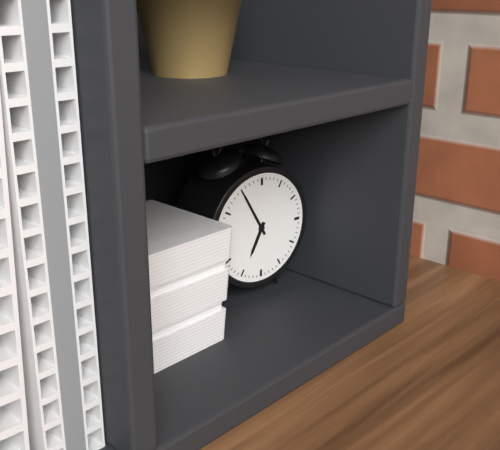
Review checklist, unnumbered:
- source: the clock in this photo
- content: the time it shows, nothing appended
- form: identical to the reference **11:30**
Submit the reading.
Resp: **6:55**
